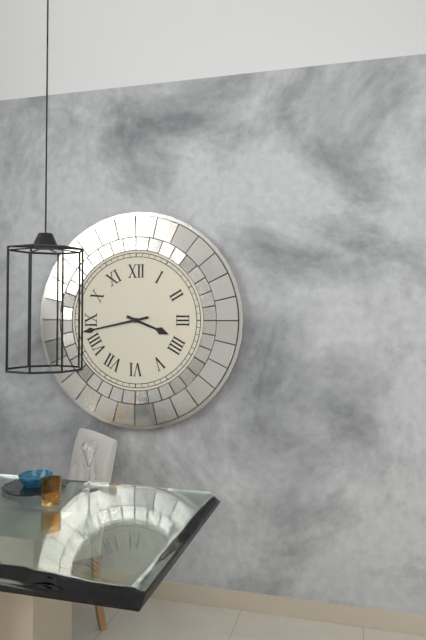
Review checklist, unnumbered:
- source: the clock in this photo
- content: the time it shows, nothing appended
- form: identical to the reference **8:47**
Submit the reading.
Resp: **3:43**
